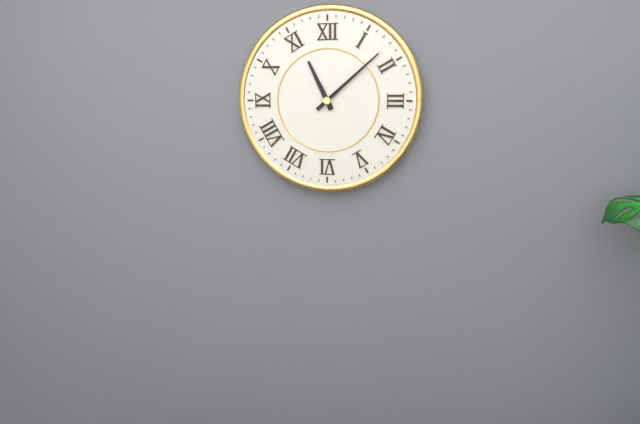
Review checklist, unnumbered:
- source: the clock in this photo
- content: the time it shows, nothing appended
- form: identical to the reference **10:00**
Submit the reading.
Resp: **11:08**
